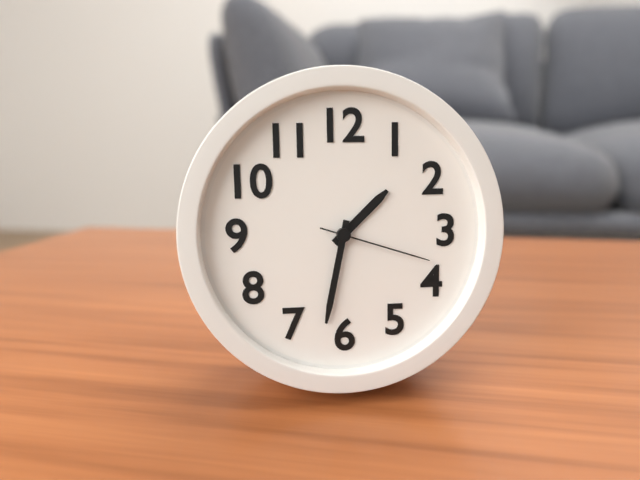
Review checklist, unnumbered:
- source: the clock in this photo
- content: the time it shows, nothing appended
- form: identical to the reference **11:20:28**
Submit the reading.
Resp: **1:32:18**
